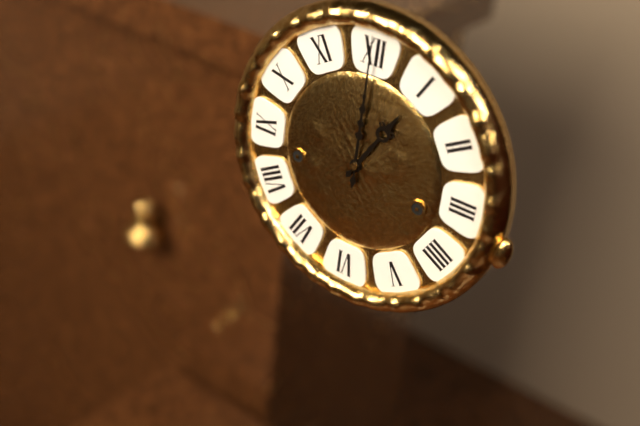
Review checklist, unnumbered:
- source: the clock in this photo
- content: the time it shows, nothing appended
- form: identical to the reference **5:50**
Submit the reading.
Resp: **1:00**
